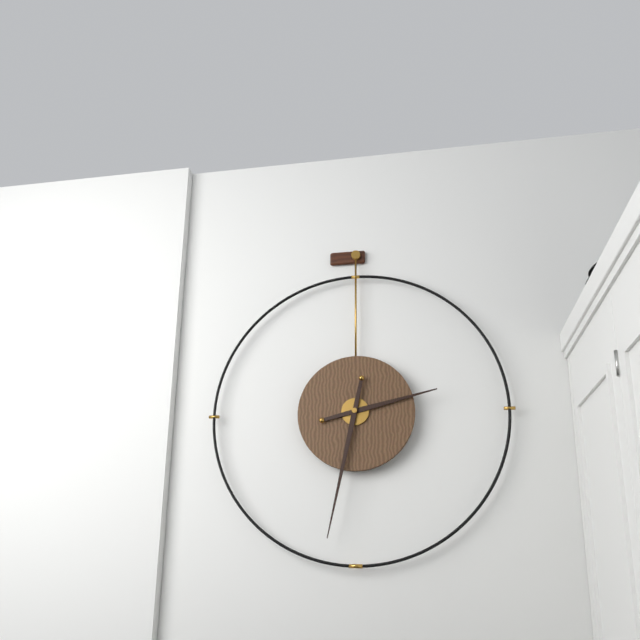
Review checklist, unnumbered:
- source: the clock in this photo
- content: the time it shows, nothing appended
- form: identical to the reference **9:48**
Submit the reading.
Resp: **2:32**
